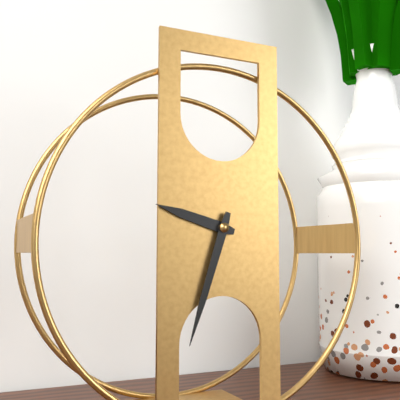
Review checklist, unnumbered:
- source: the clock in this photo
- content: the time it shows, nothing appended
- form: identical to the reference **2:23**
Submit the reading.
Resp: **9:33**
